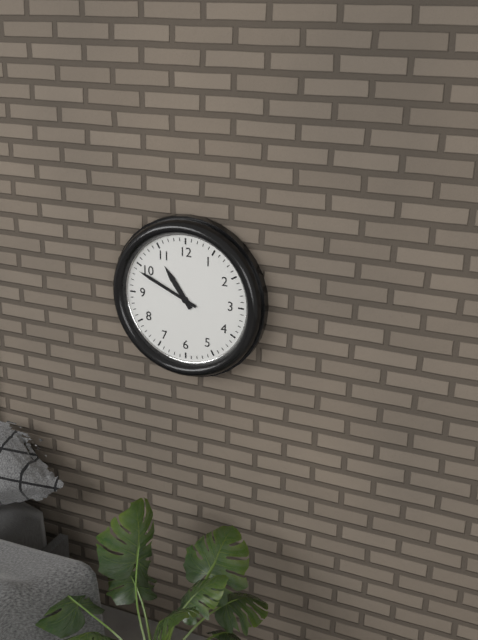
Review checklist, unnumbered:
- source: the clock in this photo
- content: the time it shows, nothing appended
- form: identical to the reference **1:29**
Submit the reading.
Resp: **10:49**
